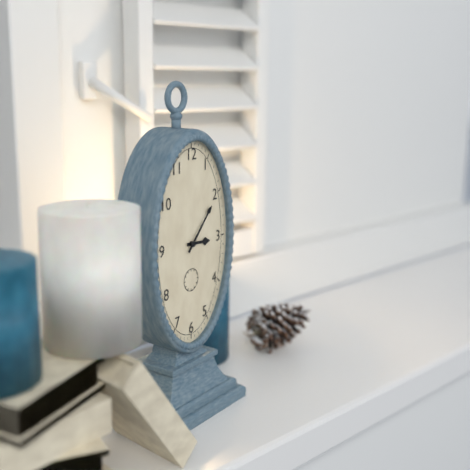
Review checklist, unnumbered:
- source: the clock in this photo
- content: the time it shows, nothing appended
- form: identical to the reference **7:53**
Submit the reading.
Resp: **3:07**
